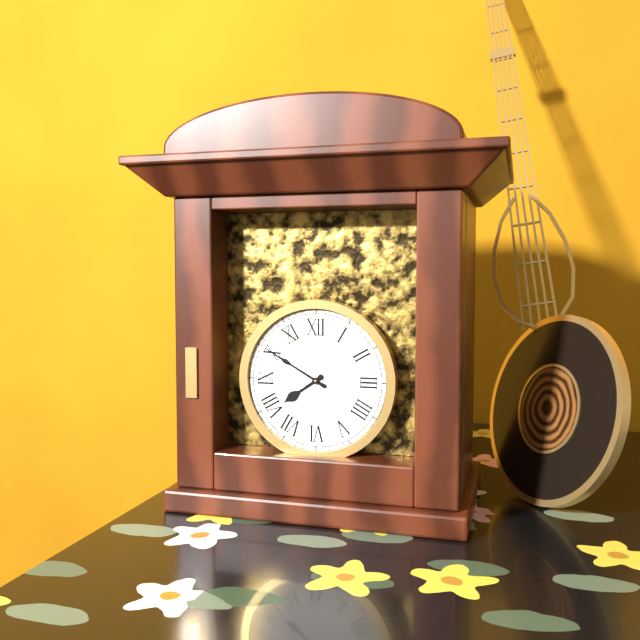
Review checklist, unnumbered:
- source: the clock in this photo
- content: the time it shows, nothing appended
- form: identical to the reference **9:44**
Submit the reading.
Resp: **7:50**
